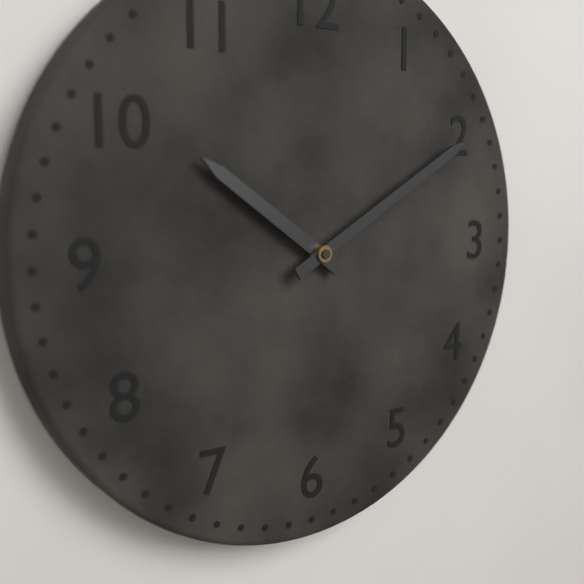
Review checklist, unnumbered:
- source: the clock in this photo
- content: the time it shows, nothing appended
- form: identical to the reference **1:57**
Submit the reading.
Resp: **10:10**
